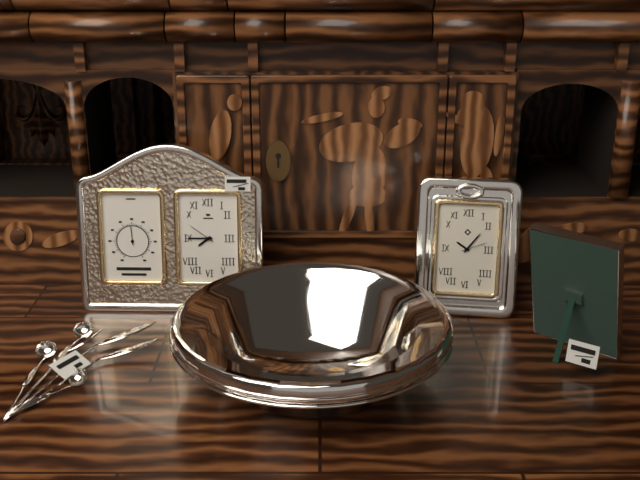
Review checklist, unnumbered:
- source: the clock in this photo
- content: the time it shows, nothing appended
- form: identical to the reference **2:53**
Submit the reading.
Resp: **7:45**
